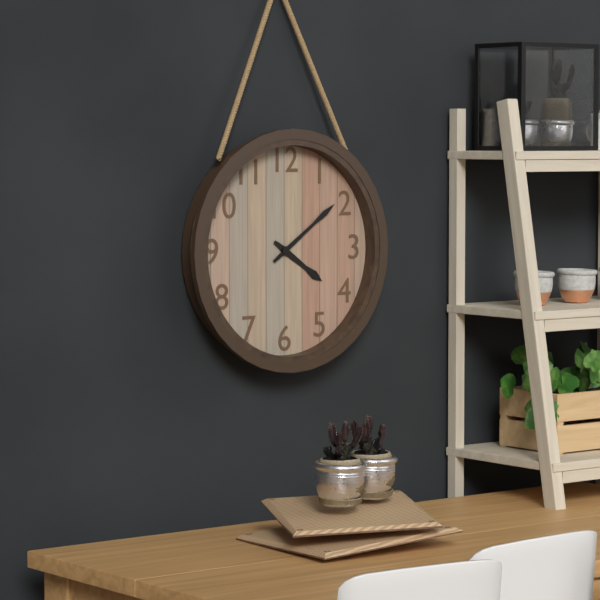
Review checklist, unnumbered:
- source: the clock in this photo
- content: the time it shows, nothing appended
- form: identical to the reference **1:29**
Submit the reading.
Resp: **4:09**
